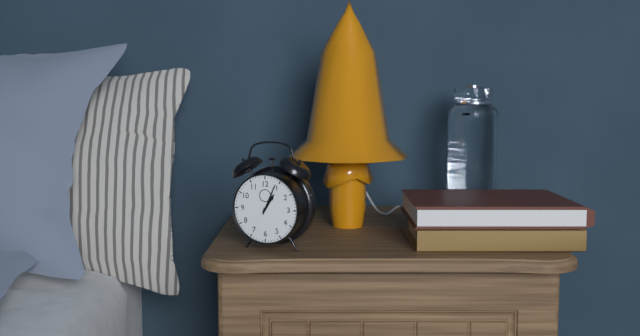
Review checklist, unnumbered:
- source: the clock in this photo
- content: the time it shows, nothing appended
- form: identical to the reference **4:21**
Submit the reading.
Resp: **1:04**
